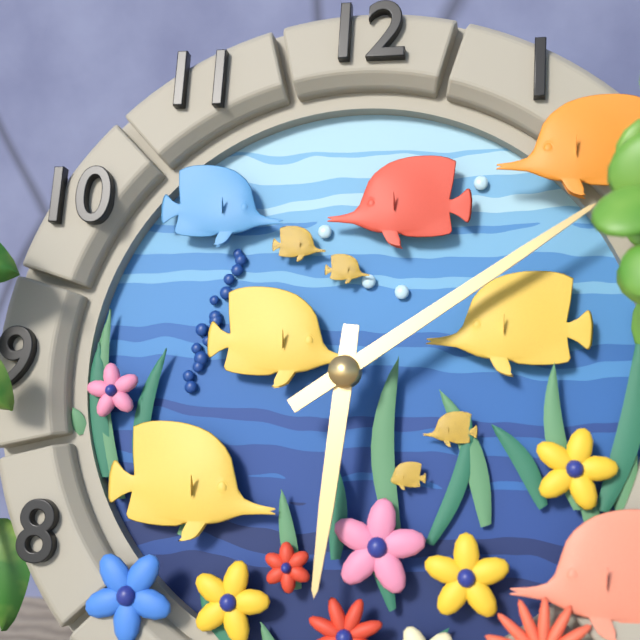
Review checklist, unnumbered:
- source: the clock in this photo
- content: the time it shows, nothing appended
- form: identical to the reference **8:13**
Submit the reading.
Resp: **6:09**
